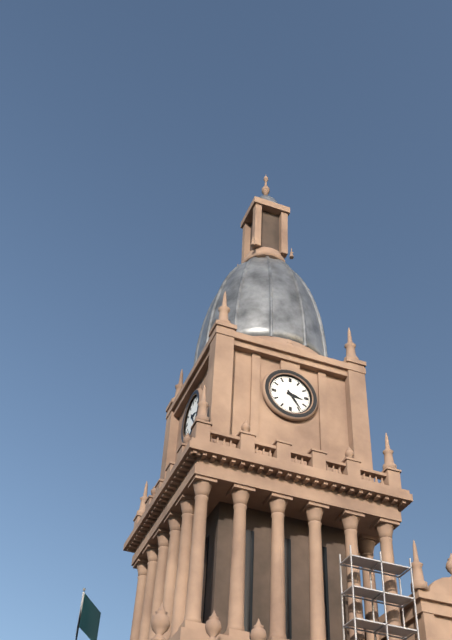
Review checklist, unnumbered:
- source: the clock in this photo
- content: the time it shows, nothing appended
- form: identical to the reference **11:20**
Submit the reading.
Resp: **3:24**
